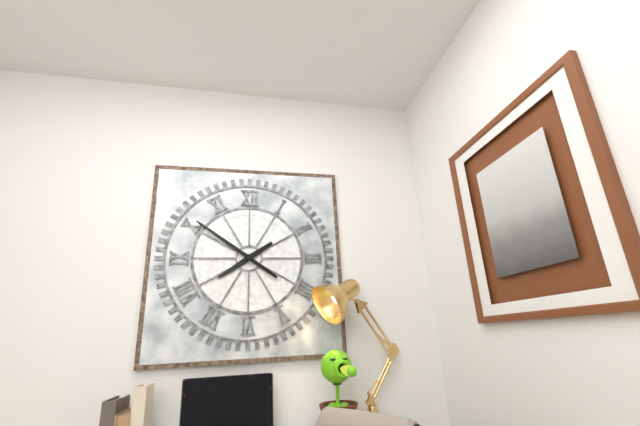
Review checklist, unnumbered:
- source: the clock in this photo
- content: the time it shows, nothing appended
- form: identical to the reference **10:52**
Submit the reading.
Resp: **7:51**
